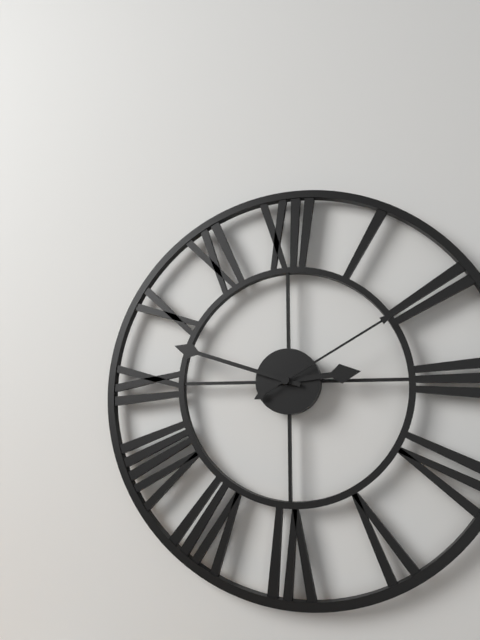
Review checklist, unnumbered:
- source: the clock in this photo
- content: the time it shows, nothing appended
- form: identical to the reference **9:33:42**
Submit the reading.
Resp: **2:48:10**
